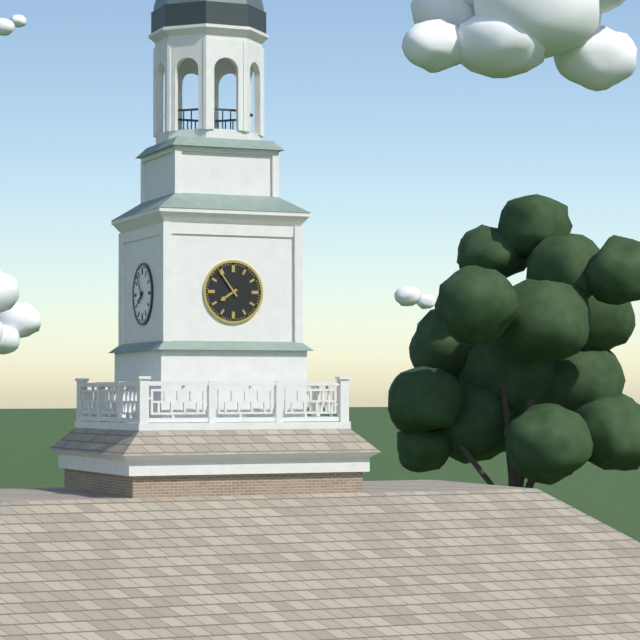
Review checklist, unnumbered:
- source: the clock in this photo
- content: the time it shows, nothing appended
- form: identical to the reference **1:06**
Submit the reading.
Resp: **7:54**
